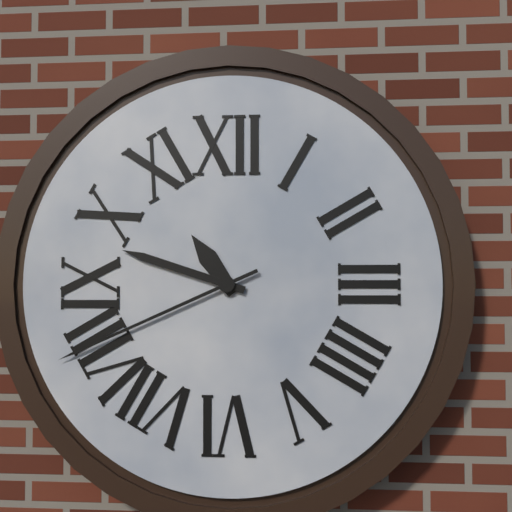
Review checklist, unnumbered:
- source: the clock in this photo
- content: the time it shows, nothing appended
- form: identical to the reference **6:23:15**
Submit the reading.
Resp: **10:48:41**
